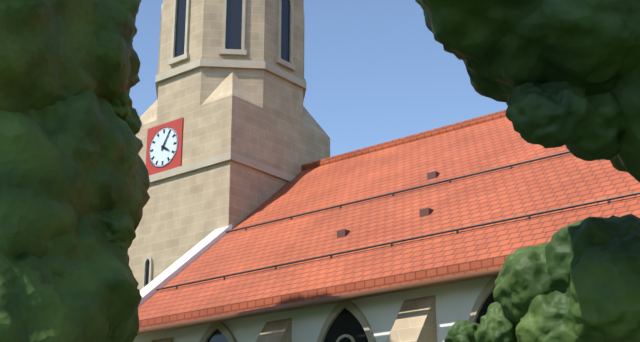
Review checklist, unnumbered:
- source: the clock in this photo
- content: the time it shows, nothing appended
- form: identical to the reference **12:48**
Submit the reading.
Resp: **4:05**
